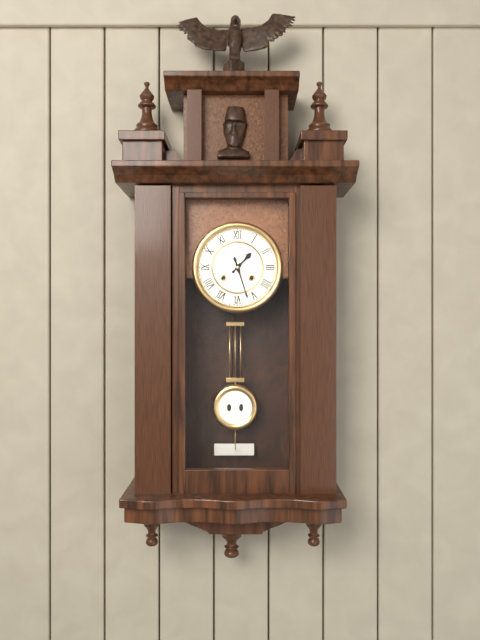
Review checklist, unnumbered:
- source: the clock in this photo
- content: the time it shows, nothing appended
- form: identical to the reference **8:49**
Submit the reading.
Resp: **1:27**
